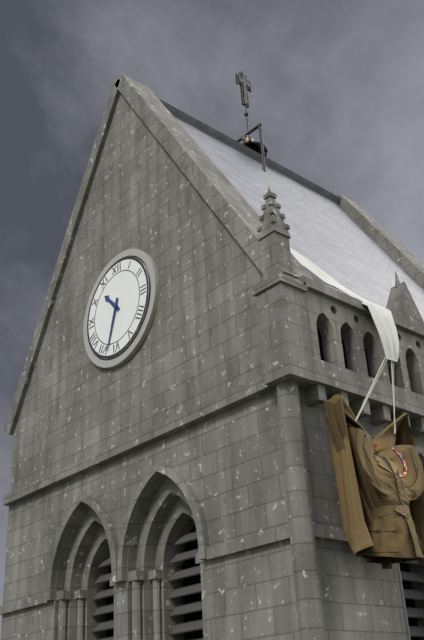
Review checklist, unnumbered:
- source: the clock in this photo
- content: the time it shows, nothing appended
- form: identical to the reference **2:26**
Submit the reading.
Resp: **10:33**
